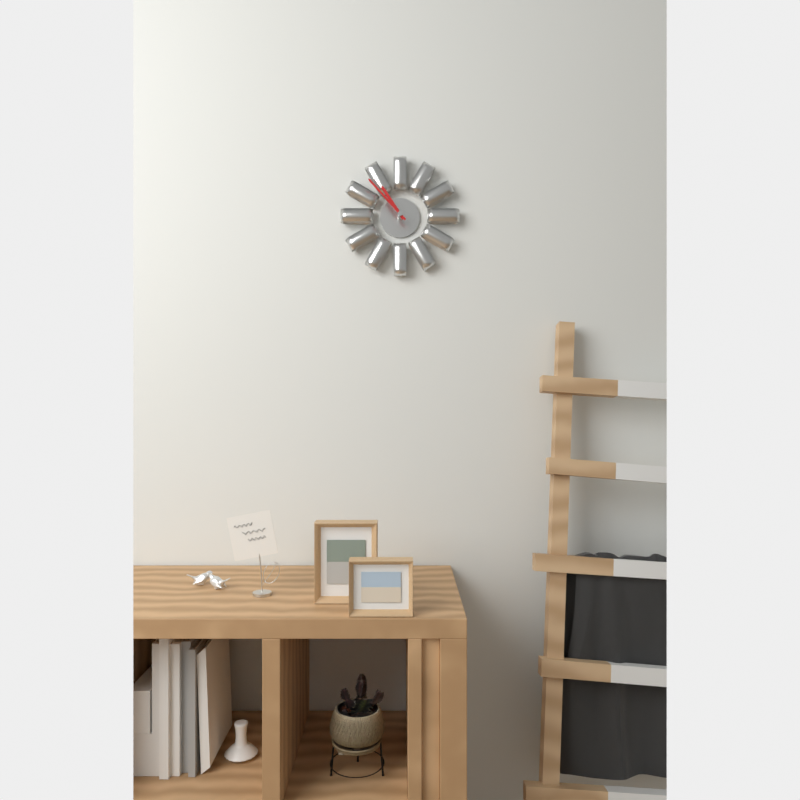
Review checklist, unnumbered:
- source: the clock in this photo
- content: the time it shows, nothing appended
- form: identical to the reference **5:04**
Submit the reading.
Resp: **10:53**
